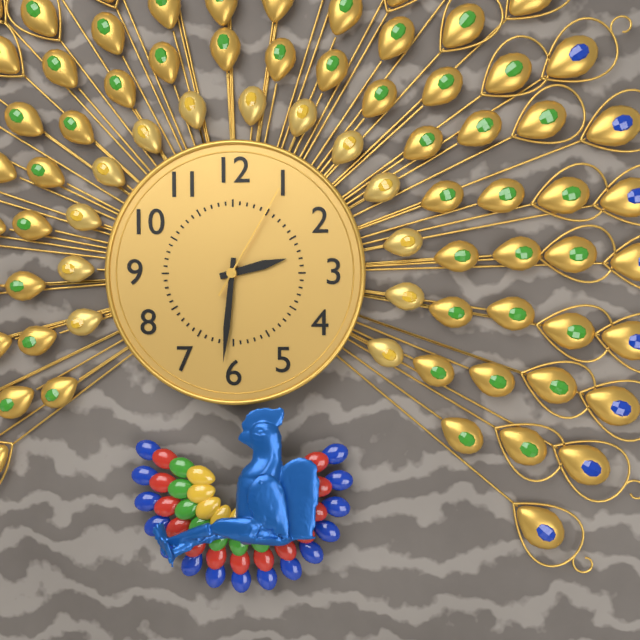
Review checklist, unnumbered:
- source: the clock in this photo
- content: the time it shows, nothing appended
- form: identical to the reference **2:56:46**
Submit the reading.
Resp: **2:31:05**
